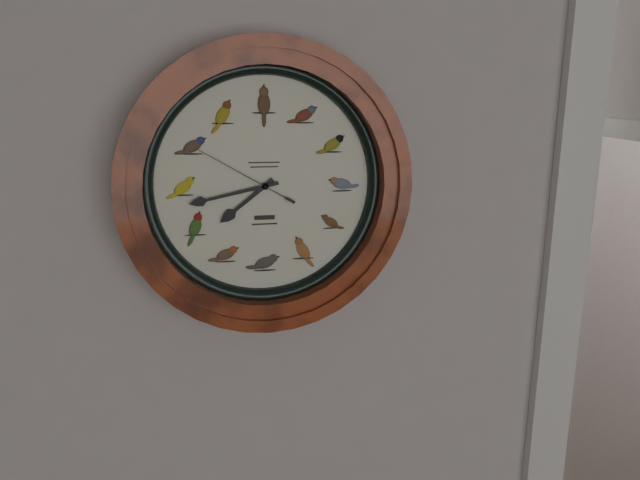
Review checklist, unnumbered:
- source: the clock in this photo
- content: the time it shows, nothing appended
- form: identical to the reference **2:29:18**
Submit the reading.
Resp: **7:43:50**
